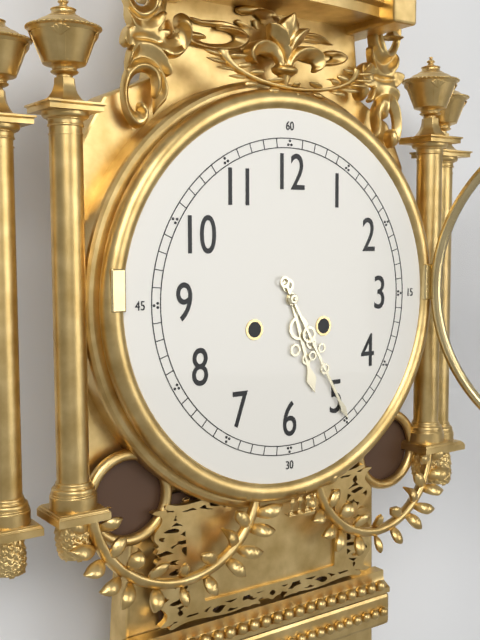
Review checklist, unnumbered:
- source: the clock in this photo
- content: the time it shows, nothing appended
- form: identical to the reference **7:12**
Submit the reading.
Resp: **5:25**
